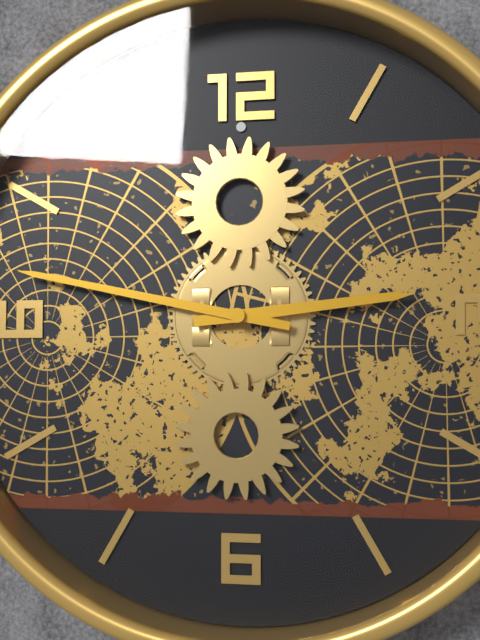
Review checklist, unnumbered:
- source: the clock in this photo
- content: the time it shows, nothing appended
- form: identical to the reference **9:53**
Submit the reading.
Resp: **2:47**
